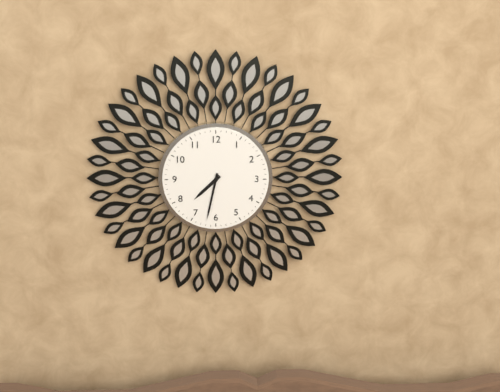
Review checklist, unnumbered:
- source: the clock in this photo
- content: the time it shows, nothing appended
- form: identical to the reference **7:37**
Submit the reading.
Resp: **7:32**
